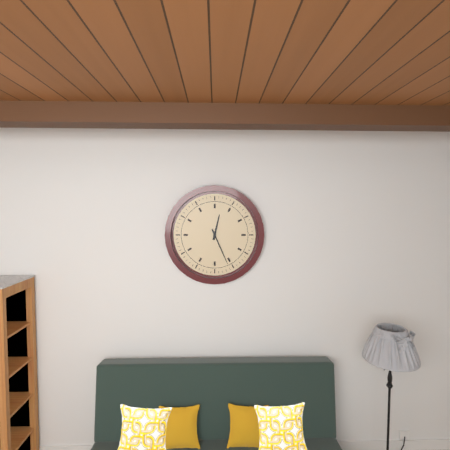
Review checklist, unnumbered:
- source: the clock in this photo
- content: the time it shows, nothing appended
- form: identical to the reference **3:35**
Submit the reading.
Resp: **12:26**
